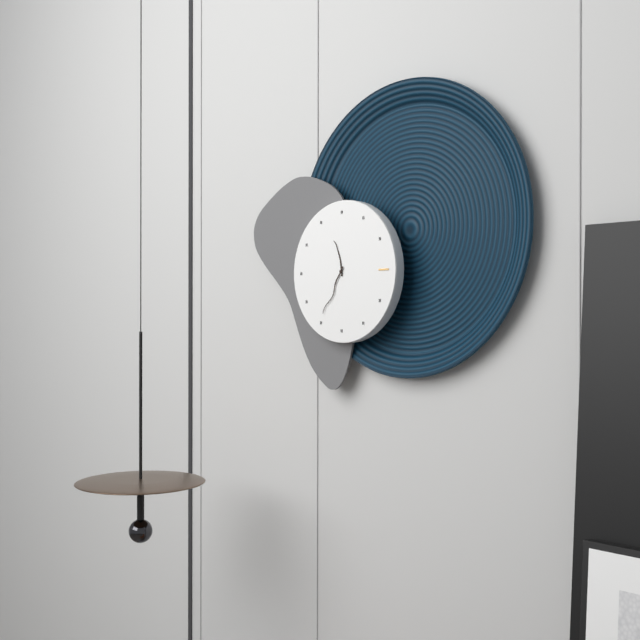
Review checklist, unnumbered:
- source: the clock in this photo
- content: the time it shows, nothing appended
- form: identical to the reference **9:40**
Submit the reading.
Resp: **11:35**
